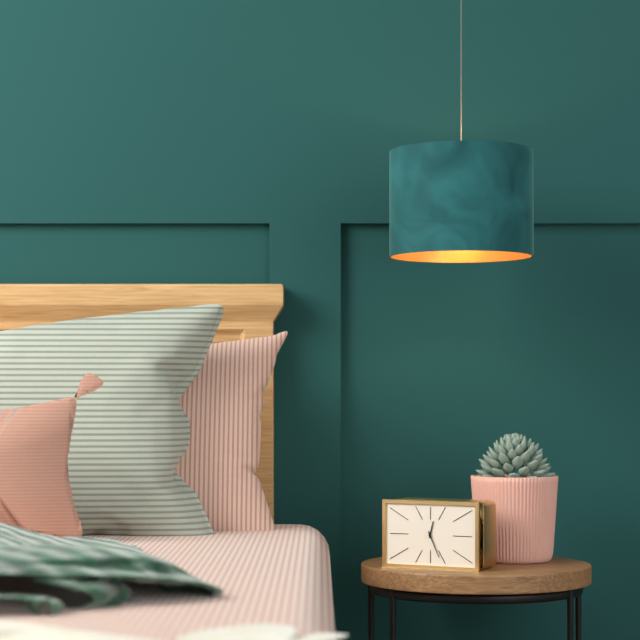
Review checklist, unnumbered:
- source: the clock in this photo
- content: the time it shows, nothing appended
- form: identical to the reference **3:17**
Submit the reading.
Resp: **12:26**
